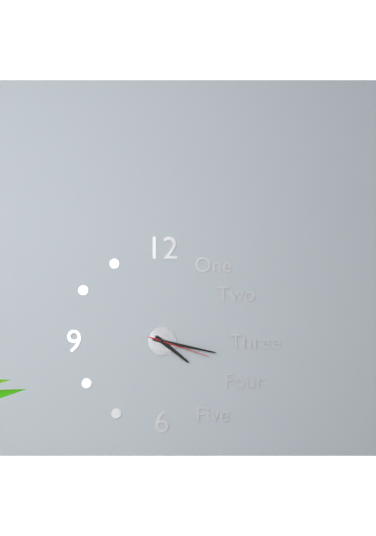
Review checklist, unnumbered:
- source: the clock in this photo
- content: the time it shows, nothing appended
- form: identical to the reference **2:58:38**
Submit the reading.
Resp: **4:17:18**
